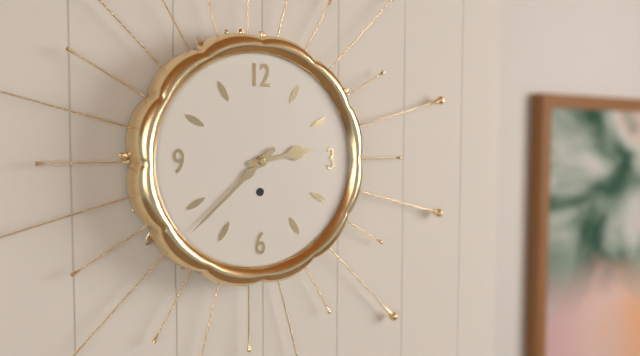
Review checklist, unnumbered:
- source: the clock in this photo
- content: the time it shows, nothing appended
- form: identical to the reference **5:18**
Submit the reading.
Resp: **2:38**
